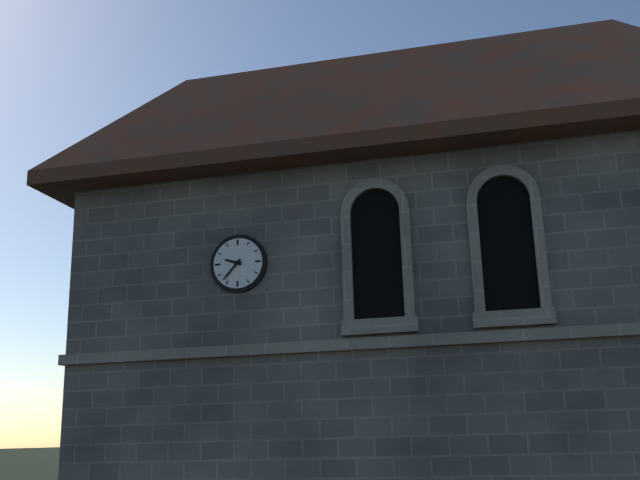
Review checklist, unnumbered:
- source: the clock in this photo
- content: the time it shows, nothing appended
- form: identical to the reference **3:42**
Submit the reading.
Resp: **9:37**
